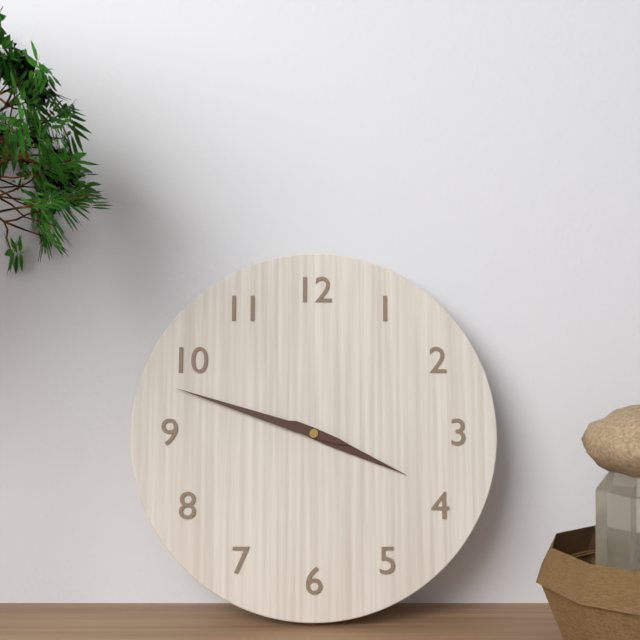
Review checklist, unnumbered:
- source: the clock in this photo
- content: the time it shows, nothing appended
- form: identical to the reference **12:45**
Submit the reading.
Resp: **3:48**
